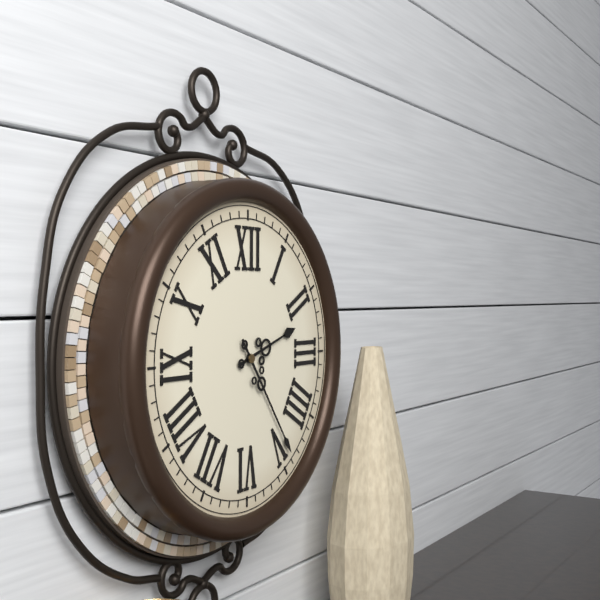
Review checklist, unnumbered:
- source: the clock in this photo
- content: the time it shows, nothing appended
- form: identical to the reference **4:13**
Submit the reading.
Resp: **2:24**
